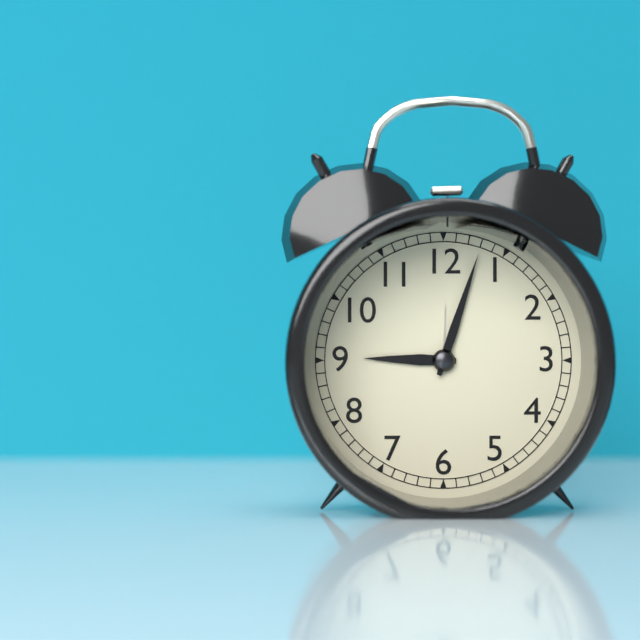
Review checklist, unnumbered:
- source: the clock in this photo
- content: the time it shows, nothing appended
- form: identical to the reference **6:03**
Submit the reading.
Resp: **9:03**
